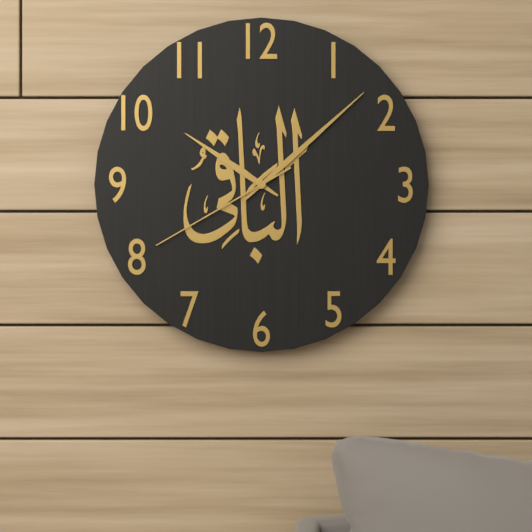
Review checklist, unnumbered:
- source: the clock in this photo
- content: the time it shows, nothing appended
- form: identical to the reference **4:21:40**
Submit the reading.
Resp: **10:08:40**
